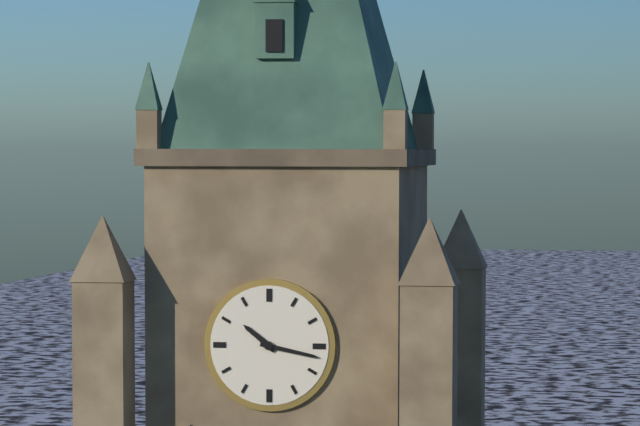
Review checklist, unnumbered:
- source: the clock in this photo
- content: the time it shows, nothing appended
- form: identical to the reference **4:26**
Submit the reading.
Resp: **10:17**
